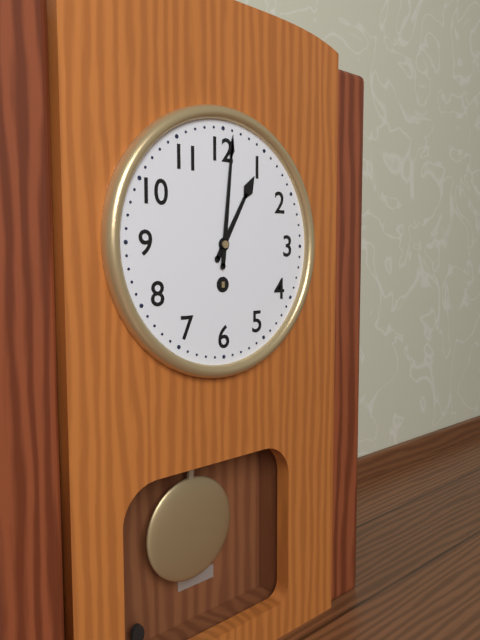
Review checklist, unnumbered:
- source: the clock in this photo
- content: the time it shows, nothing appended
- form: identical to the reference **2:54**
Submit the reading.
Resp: **1:01**
